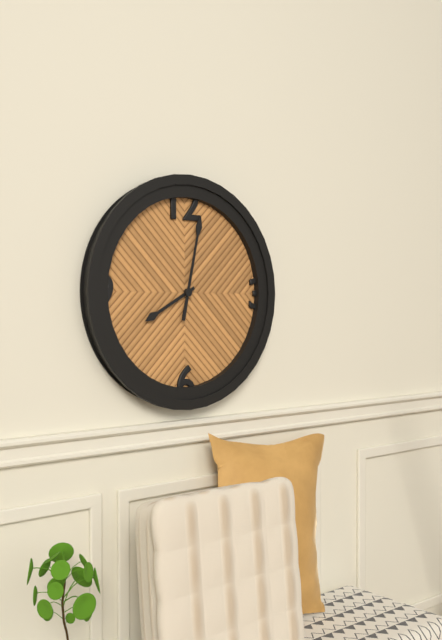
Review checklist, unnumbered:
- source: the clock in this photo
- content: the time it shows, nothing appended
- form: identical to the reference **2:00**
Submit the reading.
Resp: **8:02**
